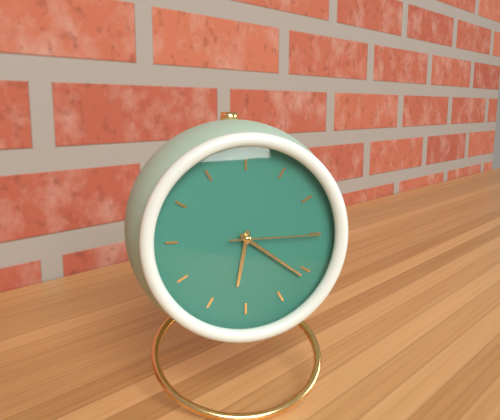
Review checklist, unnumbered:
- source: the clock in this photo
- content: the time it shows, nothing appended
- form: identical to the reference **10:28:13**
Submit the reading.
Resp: **6:21:15**
